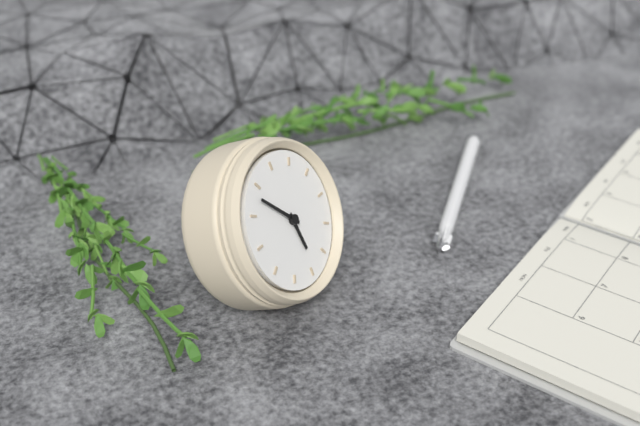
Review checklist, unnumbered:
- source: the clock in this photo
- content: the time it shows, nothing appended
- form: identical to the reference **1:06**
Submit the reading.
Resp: **4:48**
